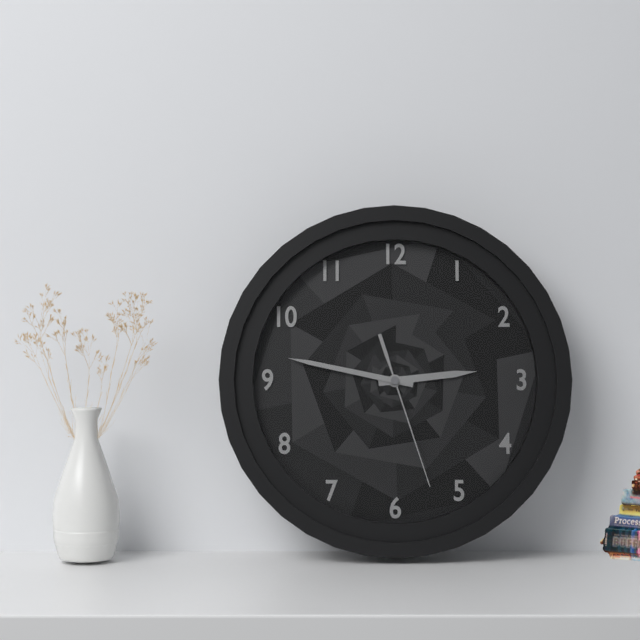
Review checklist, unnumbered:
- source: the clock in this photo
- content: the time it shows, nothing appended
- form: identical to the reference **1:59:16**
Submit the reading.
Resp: **2:47:27**
